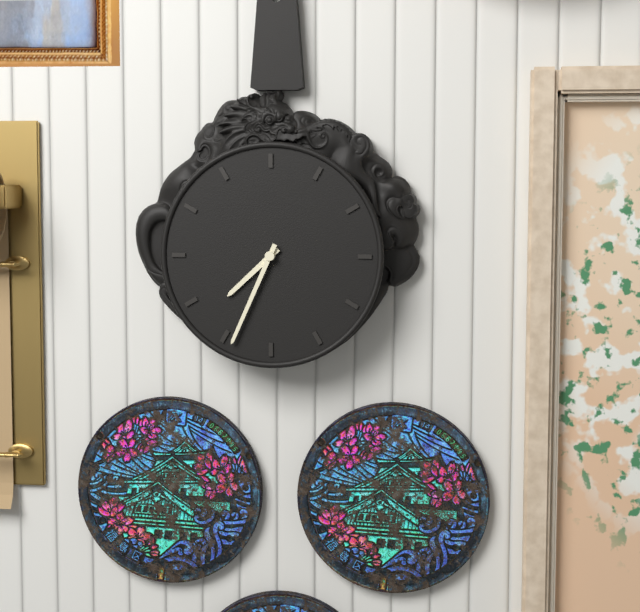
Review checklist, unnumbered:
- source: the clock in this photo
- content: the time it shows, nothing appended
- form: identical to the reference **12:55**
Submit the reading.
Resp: **7:34**
